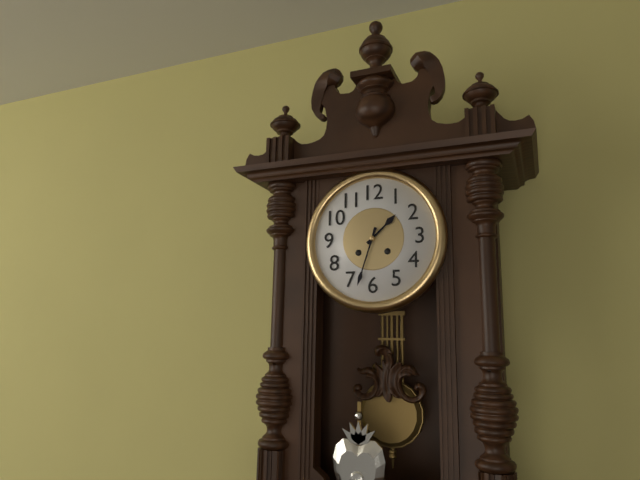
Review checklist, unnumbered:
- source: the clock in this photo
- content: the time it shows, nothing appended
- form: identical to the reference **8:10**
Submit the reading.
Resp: **1:33**
